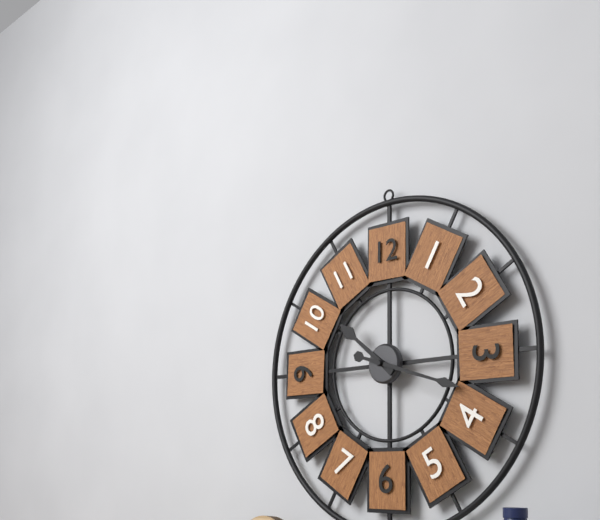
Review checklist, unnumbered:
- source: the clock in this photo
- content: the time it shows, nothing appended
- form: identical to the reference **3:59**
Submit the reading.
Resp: **10:18**
